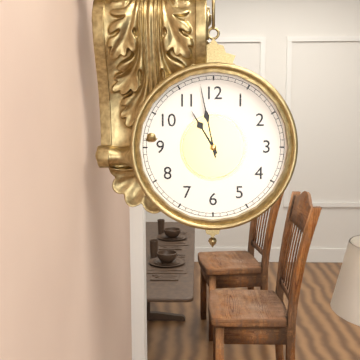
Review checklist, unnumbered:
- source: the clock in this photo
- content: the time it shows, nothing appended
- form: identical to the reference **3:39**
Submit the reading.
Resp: **10:58**
